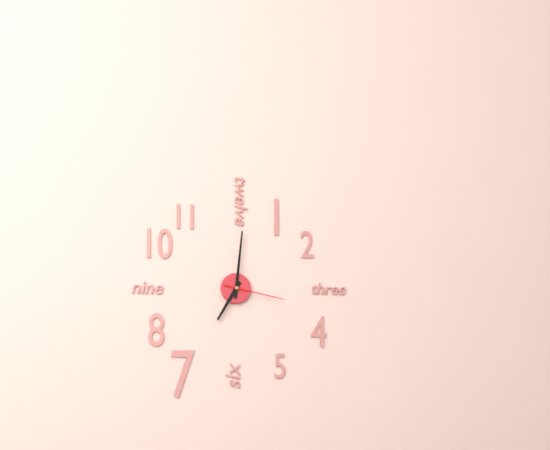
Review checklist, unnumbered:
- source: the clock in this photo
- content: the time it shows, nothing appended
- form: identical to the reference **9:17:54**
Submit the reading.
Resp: **7:01:17**
